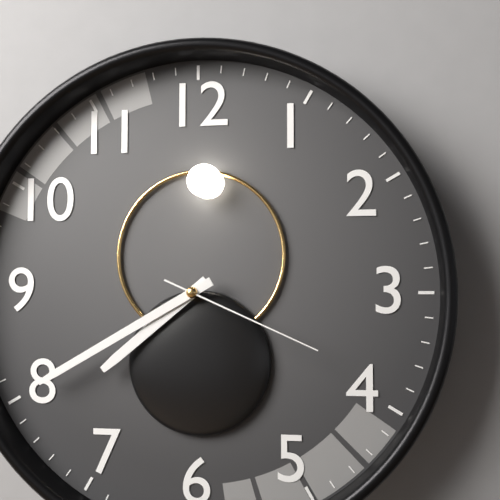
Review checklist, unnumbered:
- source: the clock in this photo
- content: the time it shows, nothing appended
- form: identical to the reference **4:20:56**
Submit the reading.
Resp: **7:40:19**
